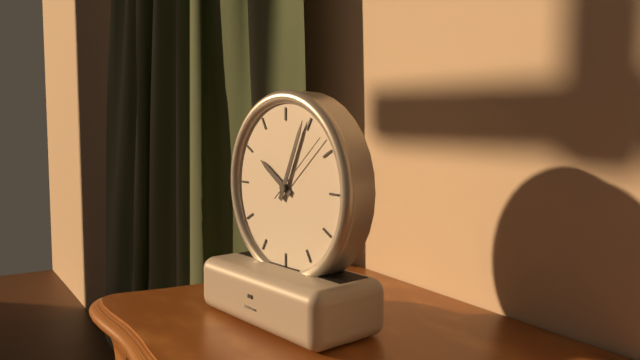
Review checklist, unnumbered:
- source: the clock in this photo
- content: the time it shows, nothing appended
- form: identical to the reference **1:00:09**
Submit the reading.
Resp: **10:04:08**
